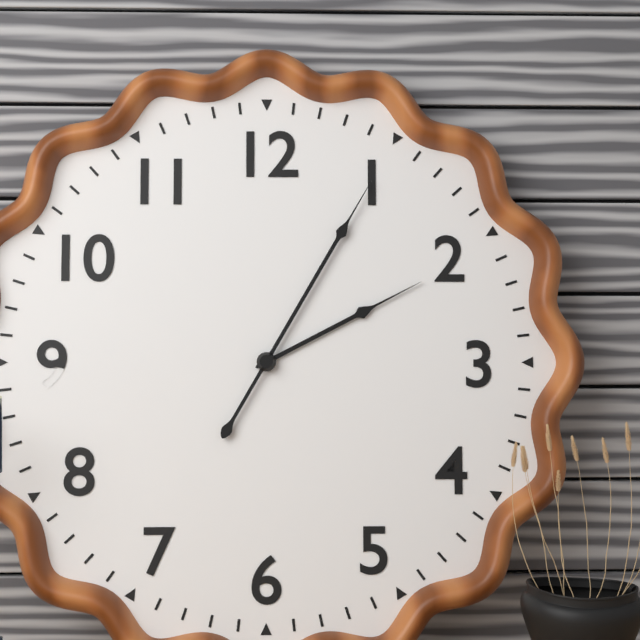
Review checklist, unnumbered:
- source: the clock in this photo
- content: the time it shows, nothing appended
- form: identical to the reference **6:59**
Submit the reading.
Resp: **2:05**
